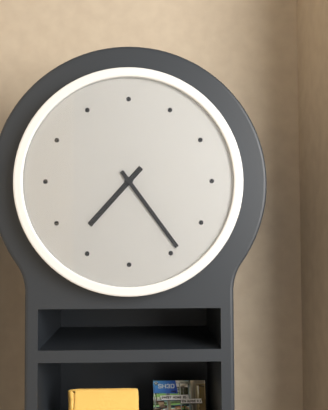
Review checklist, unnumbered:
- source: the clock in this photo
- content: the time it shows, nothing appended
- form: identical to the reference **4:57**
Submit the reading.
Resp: **7:24**
